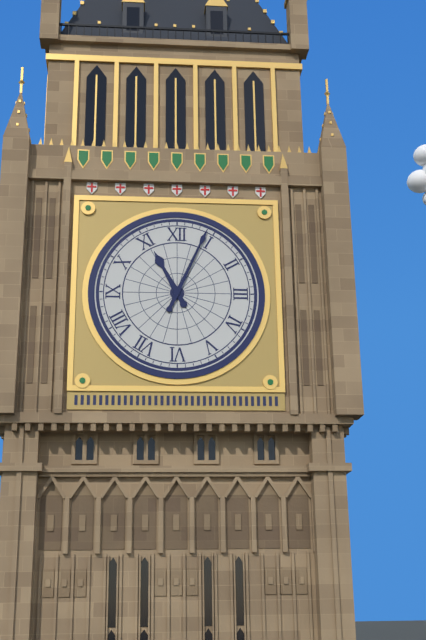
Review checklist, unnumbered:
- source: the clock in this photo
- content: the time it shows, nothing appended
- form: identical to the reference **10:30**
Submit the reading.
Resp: **11:04**
